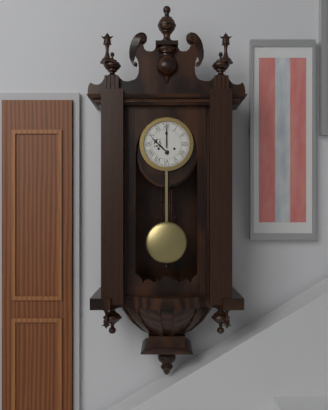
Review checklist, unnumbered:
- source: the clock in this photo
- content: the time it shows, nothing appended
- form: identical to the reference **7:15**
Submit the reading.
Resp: **12:00**
